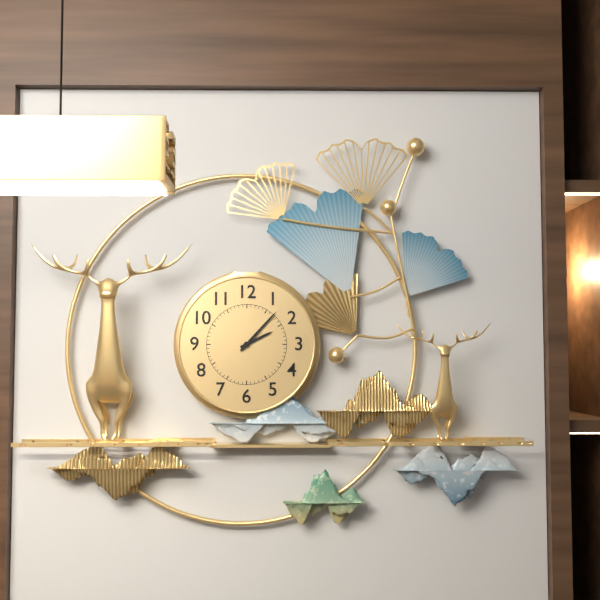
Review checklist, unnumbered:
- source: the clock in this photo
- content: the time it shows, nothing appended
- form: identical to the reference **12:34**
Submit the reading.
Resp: **2:07**
